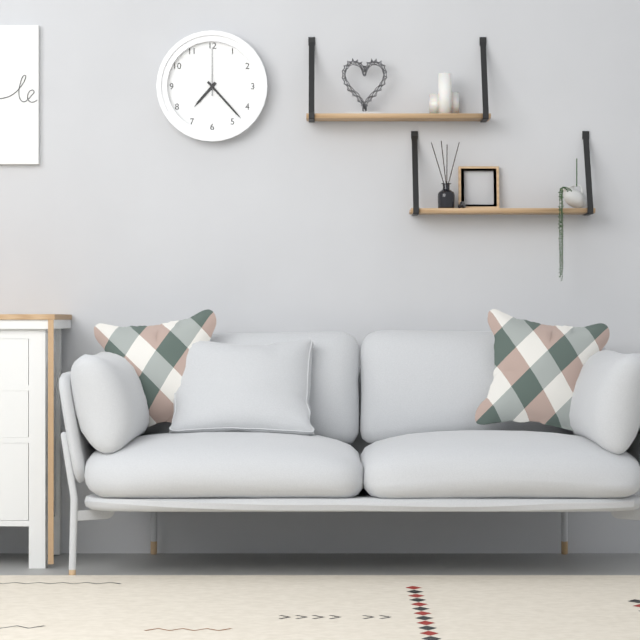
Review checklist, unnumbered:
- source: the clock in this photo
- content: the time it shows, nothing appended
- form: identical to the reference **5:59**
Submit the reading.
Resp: **7:23**
